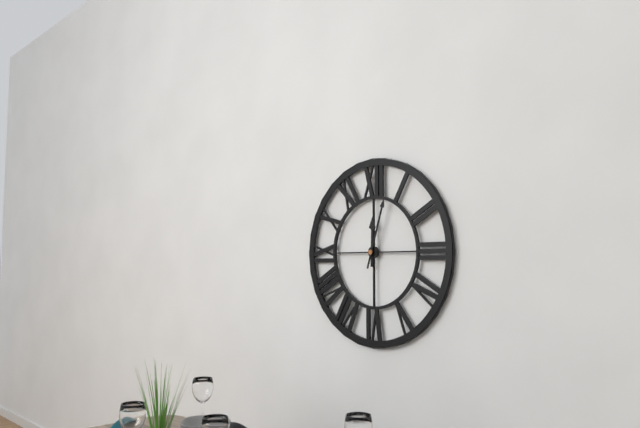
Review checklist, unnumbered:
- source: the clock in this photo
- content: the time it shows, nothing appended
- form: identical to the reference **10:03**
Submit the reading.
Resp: **12:03**
